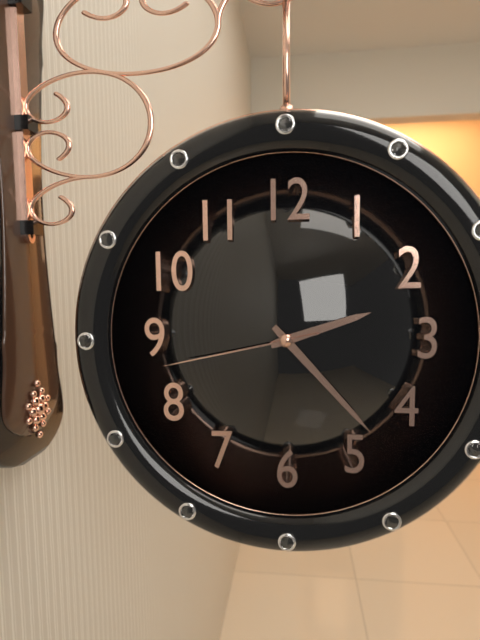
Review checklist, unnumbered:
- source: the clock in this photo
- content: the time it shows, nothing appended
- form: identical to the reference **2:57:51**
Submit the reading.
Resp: **2:23:43**
